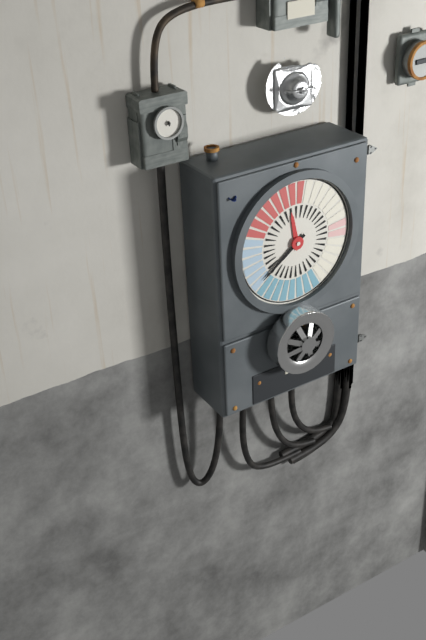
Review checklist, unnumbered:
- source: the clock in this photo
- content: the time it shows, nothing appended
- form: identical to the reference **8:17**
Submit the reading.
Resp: **11:39**
